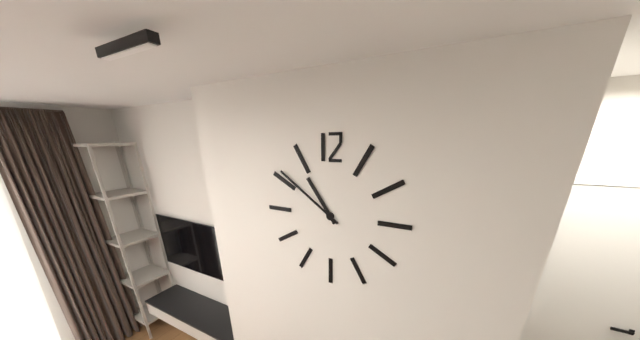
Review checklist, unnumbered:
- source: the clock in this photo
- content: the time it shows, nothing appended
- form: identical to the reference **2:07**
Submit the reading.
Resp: **10:51**
